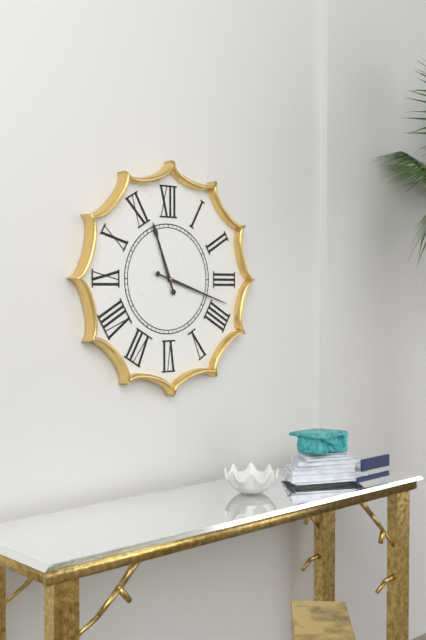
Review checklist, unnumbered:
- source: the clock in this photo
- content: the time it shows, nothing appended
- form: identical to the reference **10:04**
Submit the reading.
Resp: **11:18**
